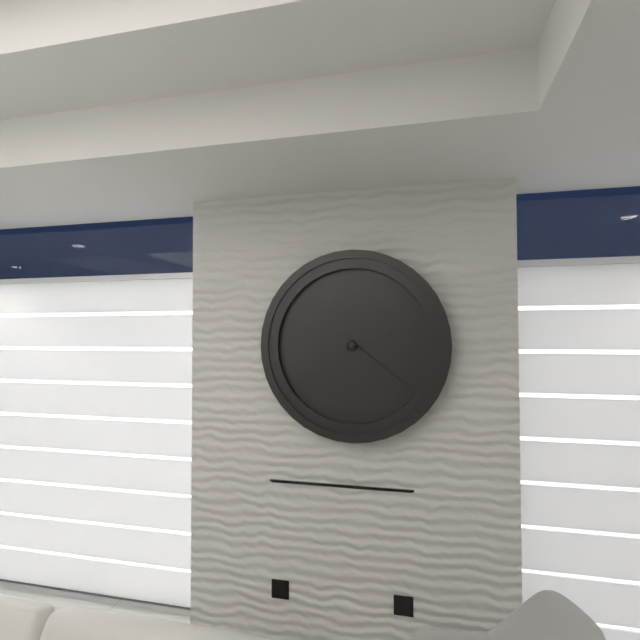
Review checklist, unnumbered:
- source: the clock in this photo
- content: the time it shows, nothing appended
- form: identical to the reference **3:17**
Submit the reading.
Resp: **2:21**
